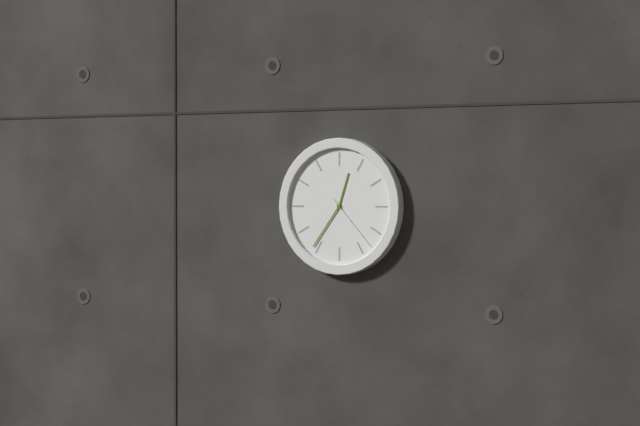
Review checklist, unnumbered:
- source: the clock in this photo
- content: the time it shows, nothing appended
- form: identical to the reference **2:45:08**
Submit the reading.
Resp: **12:36:23**
